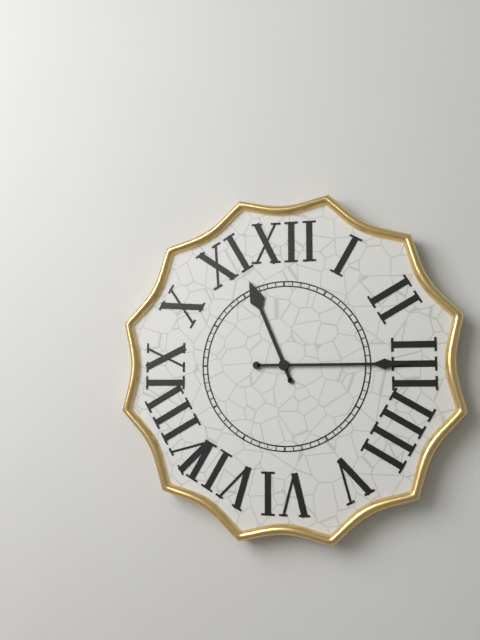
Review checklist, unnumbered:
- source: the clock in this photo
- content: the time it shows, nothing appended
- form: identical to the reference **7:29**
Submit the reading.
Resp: **11:15**
